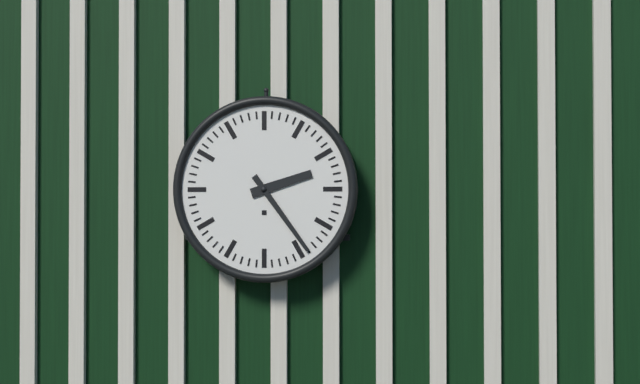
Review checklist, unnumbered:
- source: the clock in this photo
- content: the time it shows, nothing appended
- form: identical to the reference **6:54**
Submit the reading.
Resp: **2:24**
